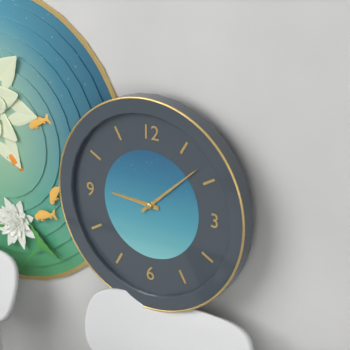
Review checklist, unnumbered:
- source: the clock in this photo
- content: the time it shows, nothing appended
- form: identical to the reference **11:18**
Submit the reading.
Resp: **9:08**
